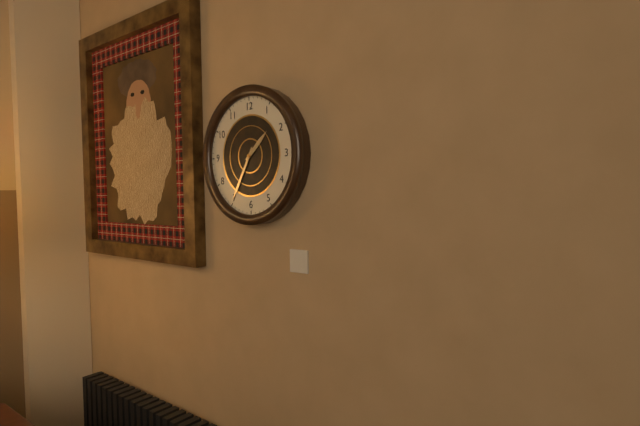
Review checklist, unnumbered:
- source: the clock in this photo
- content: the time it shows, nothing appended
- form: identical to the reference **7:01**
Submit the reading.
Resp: **1:35**
